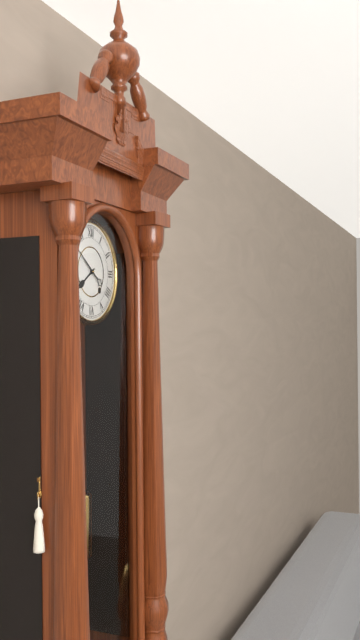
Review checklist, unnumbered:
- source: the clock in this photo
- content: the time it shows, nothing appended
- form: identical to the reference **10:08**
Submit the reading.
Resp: **7:51**
